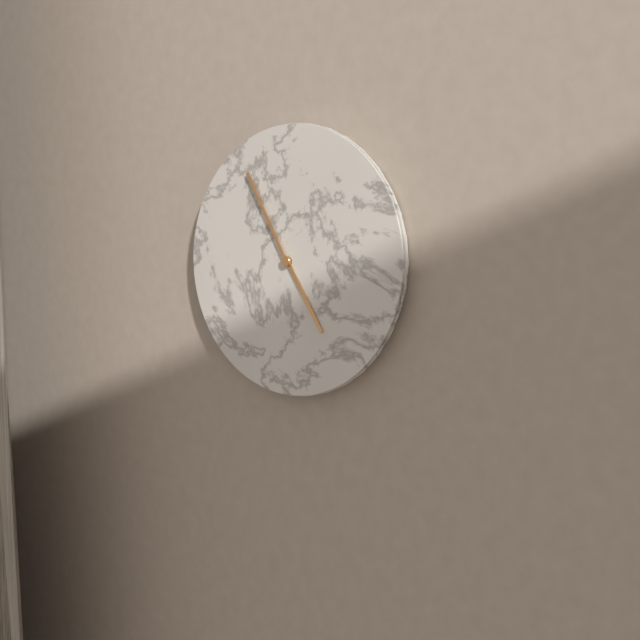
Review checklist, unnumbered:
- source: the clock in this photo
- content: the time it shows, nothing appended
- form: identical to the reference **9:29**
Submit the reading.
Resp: **4:55**
